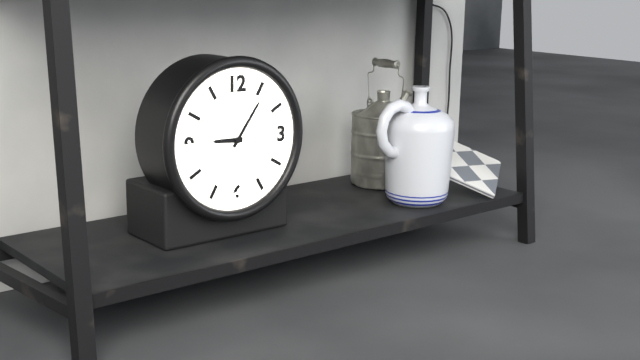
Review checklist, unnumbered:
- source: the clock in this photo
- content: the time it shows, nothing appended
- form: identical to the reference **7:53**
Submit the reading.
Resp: **9:06**
